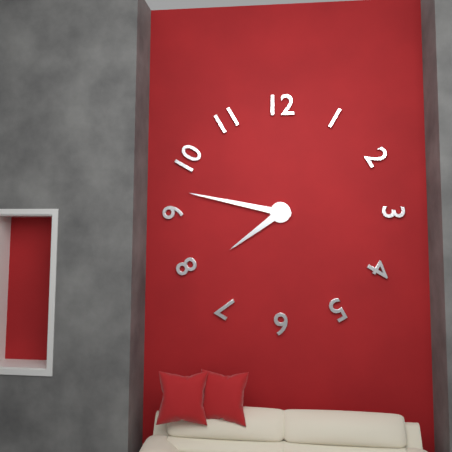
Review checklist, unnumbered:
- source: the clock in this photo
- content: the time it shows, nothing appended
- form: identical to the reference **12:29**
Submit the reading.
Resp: **7:47**
